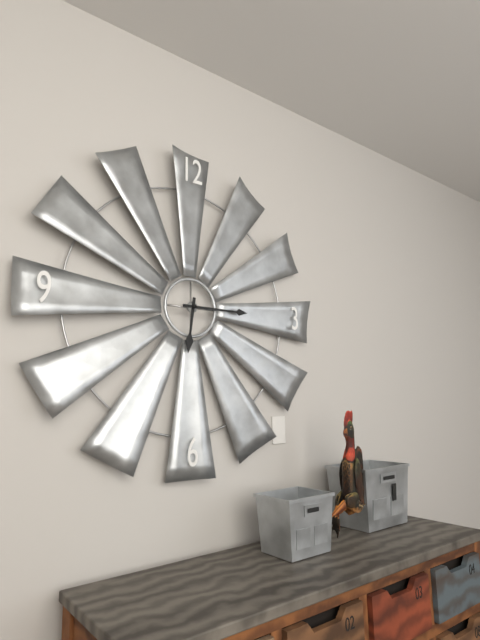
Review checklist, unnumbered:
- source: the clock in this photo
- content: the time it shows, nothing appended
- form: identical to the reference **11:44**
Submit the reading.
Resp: **6:15**
